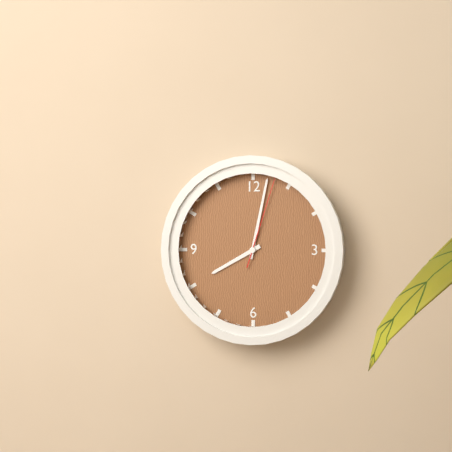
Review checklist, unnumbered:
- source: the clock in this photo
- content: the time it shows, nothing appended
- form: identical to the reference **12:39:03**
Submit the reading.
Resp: **8:02:03**
